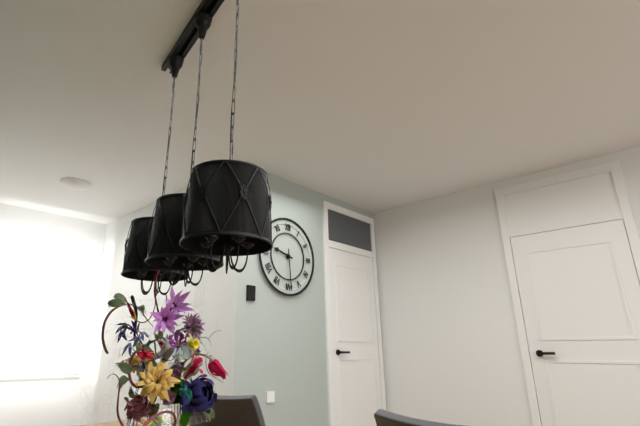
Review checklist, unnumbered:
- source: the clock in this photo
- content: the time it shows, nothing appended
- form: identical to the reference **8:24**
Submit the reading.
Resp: **9:29**
